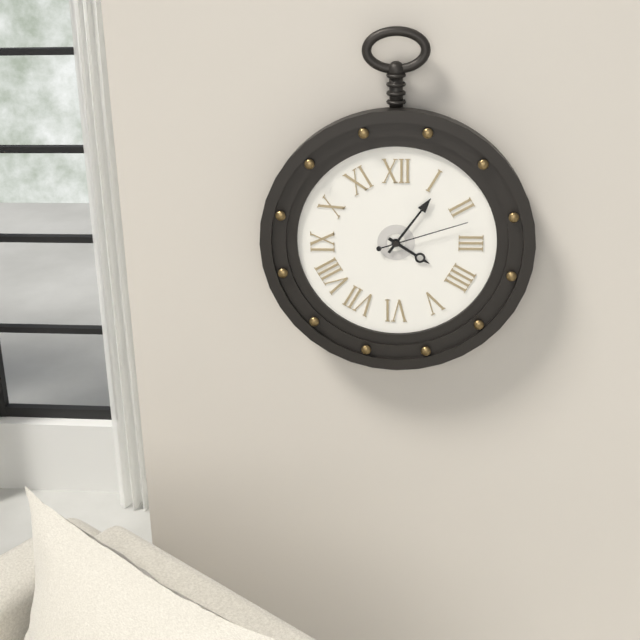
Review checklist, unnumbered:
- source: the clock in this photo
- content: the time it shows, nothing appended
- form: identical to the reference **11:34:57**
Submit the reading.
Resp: **4:06:12**
